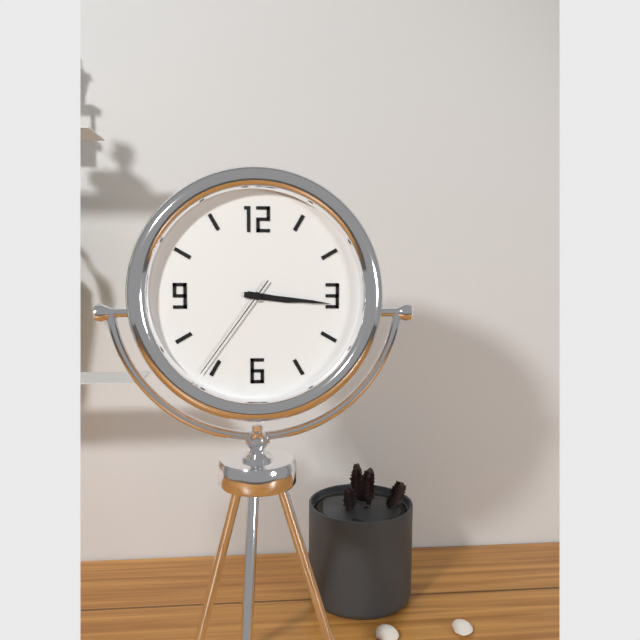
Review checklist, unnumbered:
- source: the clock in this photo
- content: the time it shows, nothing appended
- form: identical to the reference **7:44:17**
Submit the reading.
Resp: **3:16:36**
